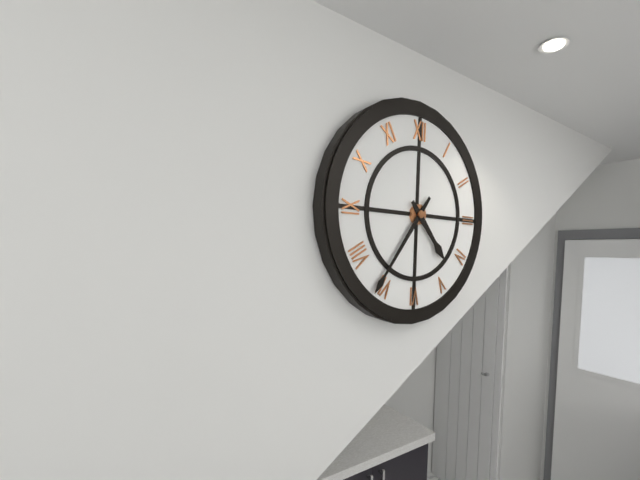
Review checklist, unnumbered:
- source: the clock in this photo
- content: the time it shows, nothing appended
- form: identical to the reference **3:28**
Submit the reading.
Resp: **4:36**
